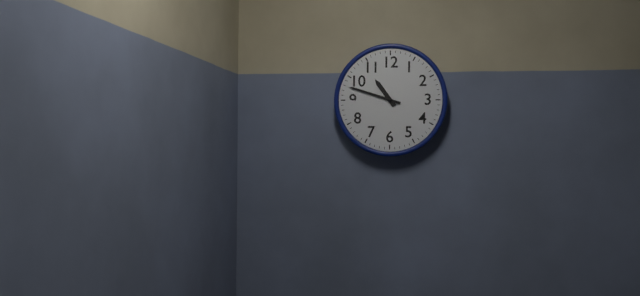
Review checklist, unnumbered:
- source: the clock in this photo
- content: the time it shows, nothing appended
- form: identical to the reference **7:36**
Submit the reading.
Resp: **10:48**
